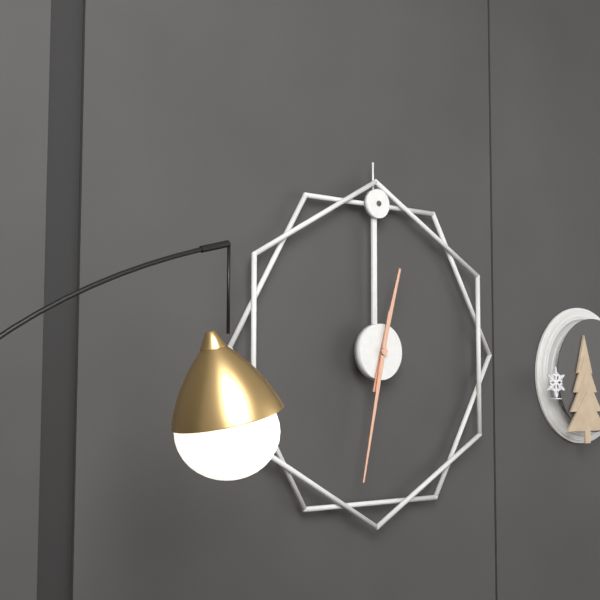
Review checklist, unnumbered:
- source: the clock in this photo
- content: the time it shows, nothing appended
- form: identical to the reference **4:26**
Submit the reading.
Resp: **12:32**
